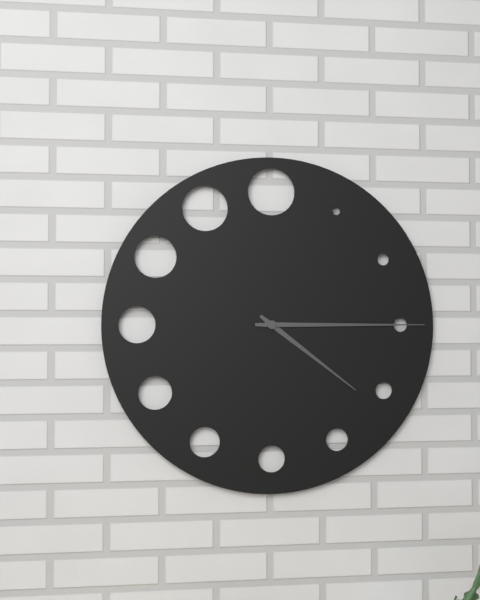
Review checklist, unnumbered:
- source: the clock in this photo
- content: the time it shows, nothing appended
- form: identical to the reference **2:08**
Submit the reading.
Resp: **4:15**
